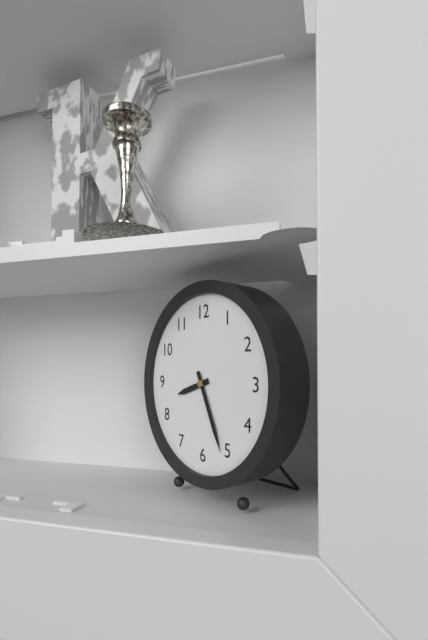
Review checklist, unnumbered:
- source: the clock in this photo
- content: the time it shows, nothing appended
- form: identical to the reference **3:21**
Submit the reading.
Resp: **8:26**
